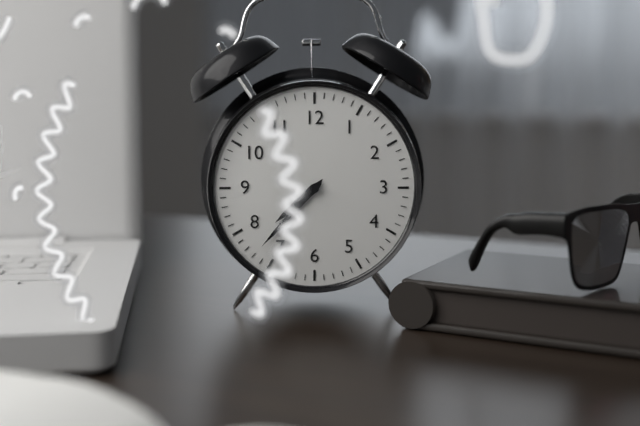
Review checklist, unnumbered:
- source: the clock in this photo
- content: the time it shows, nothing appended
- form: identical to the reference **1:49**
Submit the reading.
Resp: **7:37**
